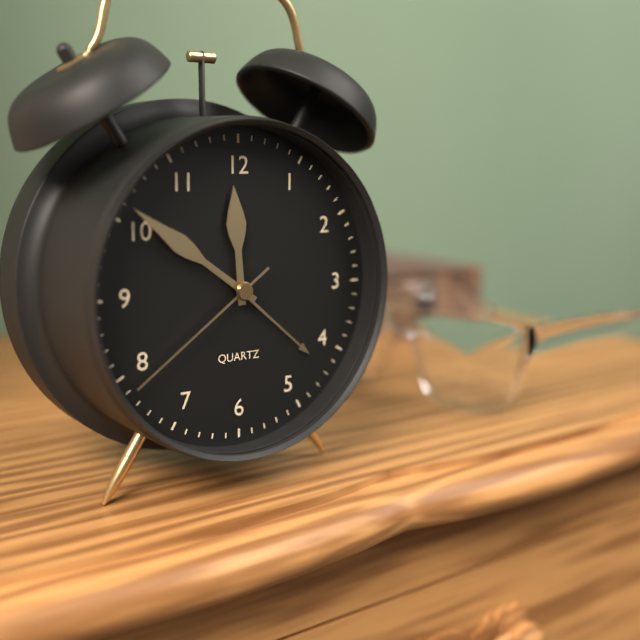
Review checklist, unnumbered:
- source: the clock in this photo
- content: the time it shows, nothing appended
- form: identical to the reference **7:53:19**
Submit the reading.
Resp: **11:51:39**
